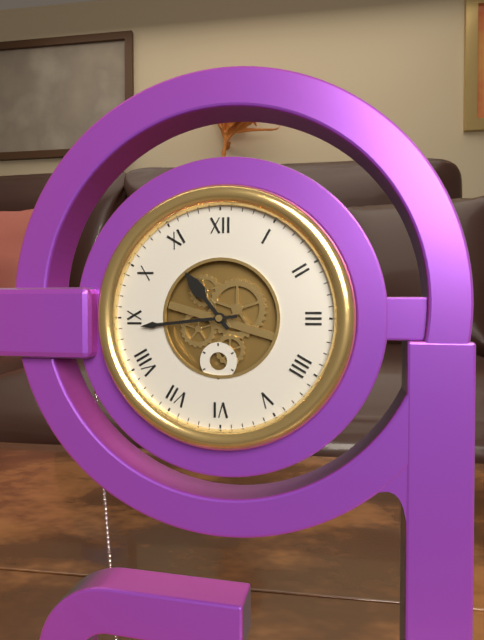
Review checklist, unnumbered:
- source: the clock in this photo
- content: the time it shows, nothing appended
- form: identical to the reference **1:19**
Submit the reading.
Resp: **10:44**
